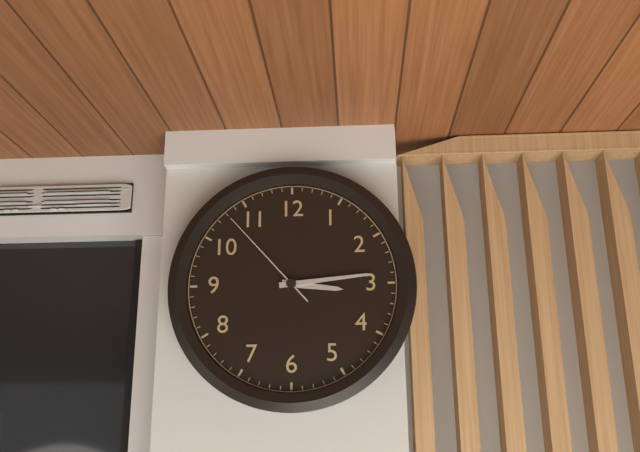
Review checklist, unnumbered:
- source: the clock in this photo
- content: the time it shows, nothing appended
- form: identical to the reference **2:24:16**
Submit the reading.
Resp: **3:14:53**
